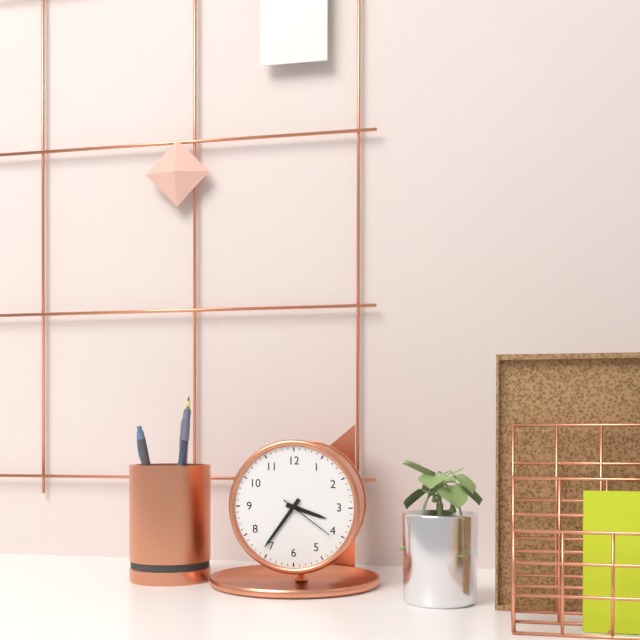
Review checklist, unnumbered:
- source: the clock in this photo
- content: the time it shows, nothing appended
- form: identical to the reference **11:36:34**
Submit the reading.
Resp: **3:36:21**
